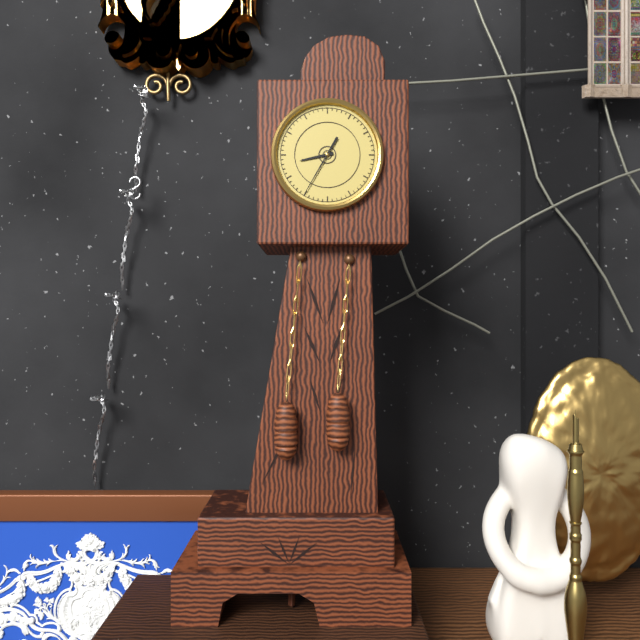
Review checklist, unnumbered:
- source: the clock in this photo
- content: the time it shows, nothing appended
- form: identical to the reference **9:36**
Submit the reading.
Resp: **8:35**
